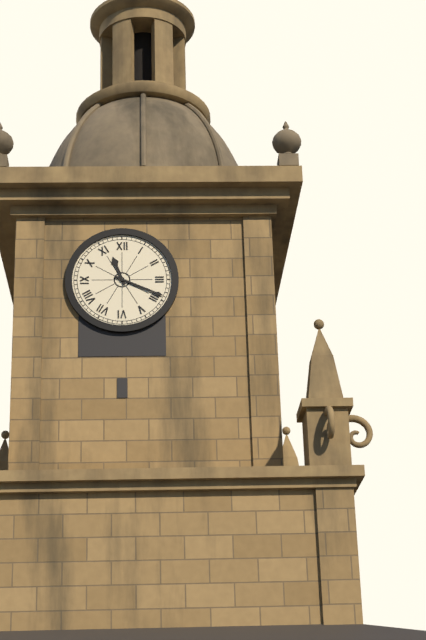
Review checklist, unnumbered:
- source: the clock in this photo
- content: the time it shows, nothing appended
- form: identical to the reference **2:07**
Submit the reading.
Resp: **11:19**
